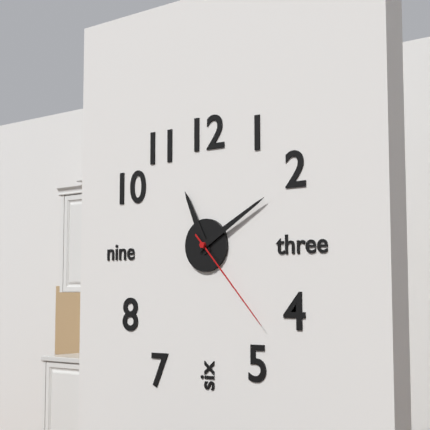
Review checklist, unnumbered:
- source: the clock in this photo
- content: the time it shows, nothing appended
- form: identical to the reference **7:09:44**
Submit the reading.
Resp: **11:10:23**
